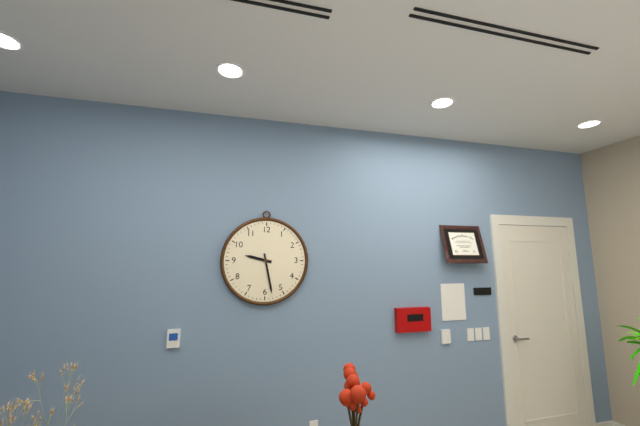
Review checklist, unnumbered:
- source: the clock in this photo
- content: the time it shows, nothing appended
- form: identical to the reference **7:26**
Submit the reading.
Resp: **9:28**
